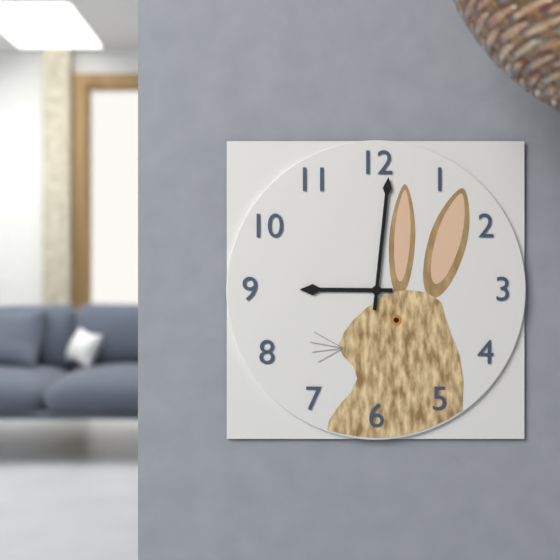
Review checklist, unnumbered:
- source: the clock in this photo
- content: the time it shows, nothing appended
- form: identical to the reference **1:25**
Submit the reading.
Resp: **9:01**
